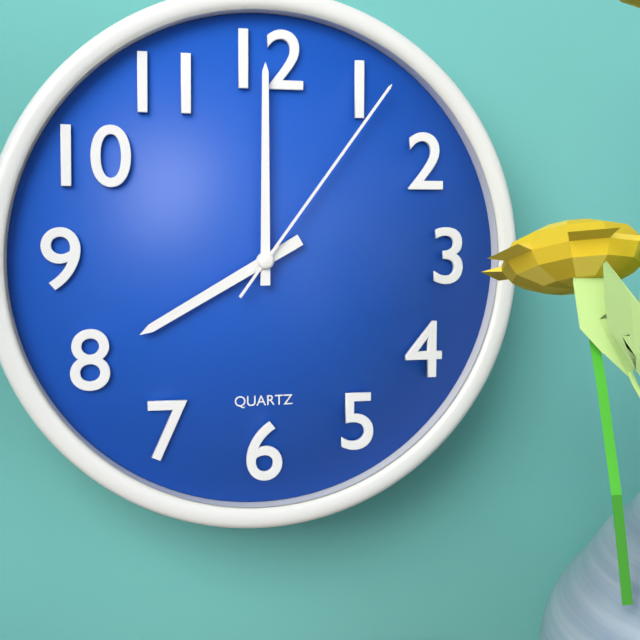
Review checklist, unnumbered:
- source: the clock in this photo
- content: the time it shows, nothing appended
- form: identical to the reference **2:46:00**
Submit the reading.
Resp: **8:00:06**
